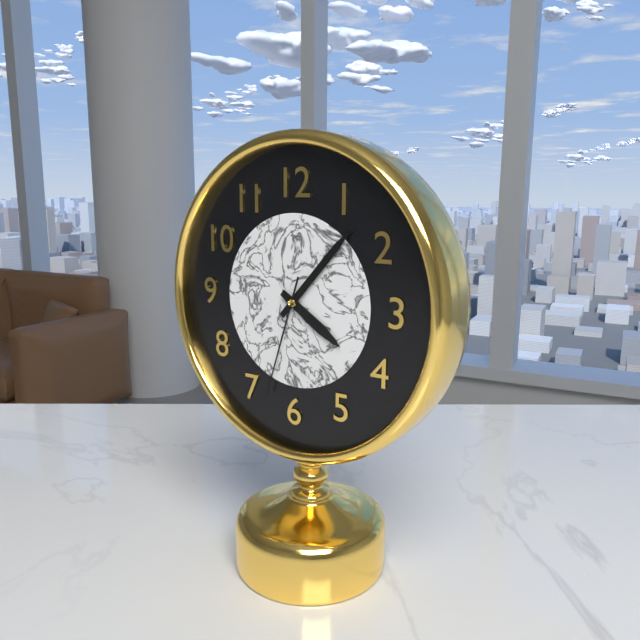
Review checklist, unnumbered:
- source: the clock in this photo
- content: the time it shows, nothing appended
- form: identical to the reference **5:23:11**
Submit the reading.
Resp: **4:07:33**
